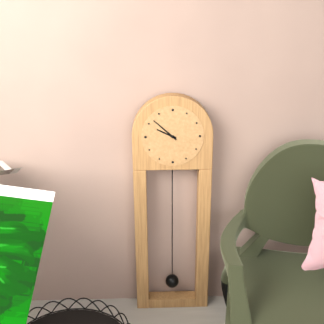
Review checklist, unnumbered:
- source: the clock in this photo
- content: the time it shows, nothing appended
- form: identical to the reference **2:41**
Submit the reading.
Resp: **9:52**
